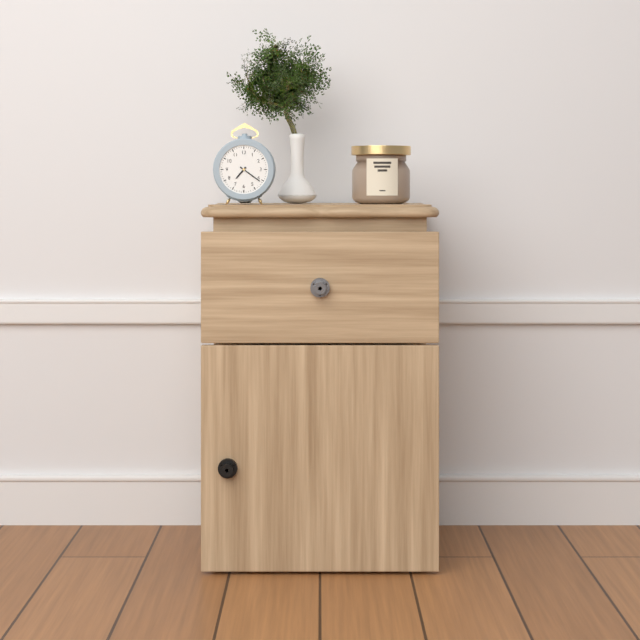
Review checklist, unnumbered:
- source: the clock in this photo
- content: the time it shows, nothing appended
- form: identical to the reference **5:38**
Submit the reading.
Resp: **7:21**
